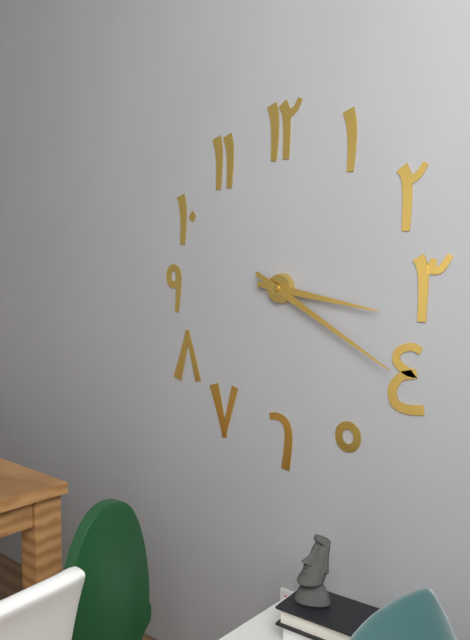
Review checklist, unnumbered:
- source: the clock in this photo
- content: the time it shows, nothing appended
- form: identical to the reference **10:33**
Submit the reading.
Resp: **3:20**
